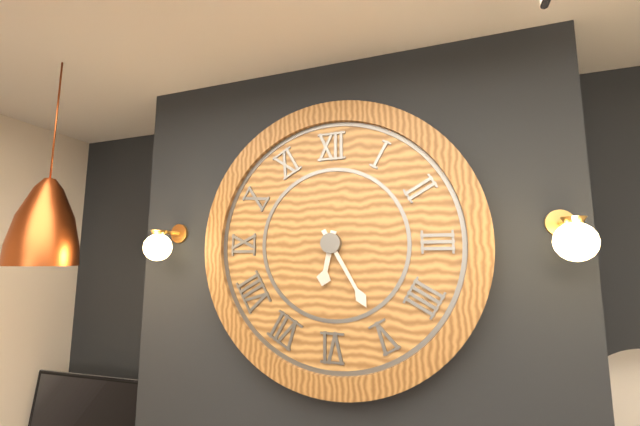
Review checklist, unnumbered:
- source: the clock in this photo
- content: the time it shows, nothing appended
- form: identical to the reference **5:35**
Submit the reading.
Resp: **6:25**
